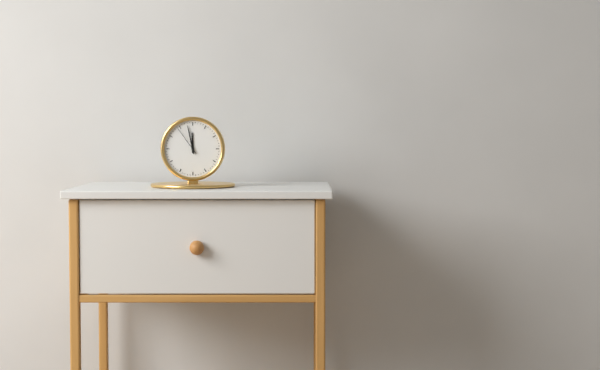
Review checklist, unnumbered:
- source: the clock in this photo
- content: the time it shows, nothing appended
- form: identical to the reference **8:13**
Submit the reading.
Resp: **11:58**
